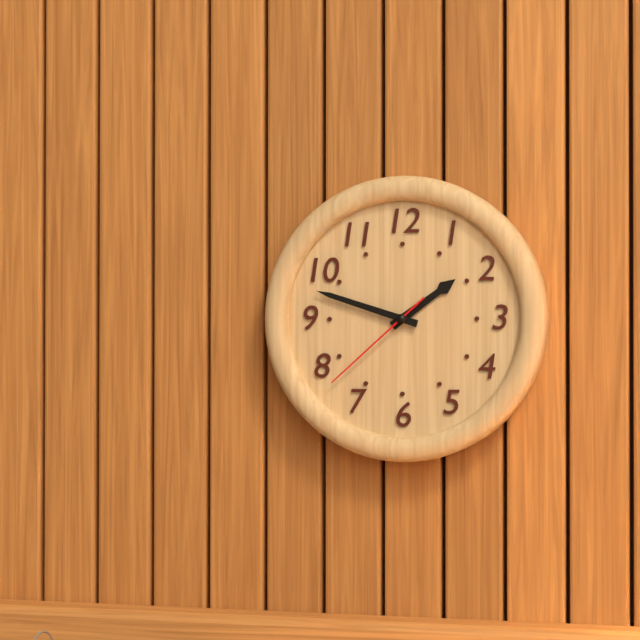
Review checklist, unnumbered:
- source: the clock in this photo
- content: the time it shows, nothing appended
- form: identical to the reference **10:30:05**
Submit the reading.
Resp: **1:48:38**
